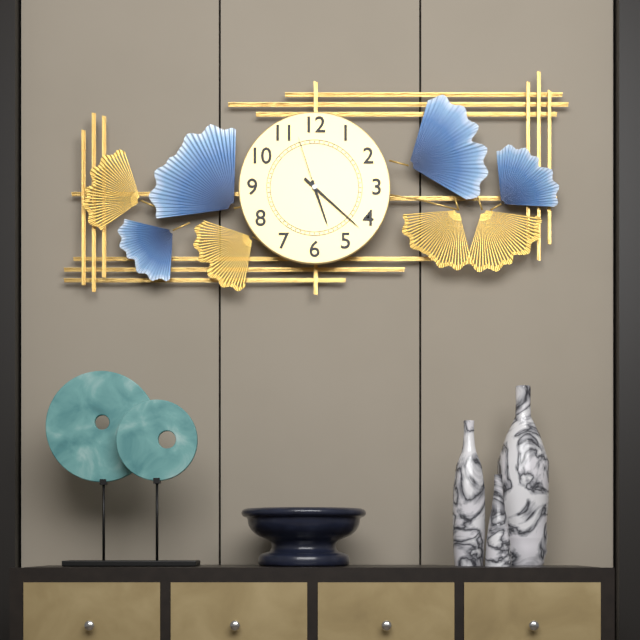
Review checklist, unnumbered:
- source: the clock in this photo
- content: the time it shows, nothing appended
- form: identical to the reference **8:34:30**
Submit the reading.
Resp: **5:22:57**
